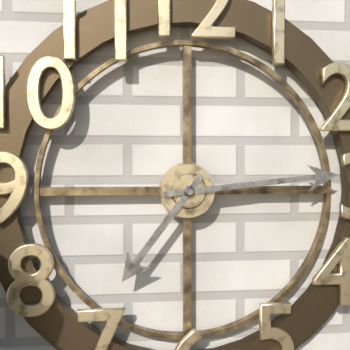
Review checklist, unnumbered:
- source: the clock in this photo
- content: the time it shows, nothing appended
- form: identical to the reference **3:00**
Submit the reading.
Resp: **7:14**
